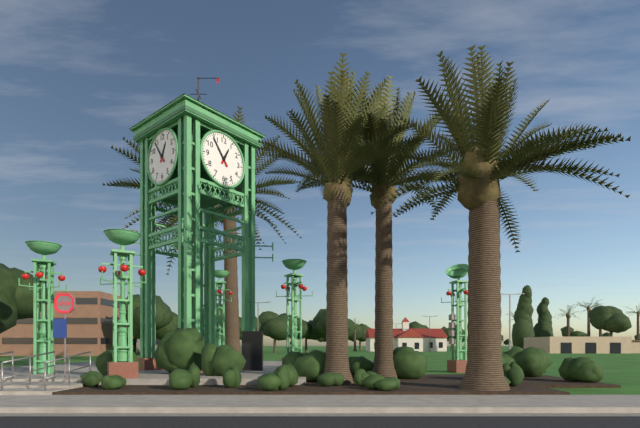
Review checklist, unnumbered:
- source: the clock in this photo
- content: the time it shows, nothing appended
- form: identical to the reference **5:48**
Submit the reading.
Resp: **12:54**
